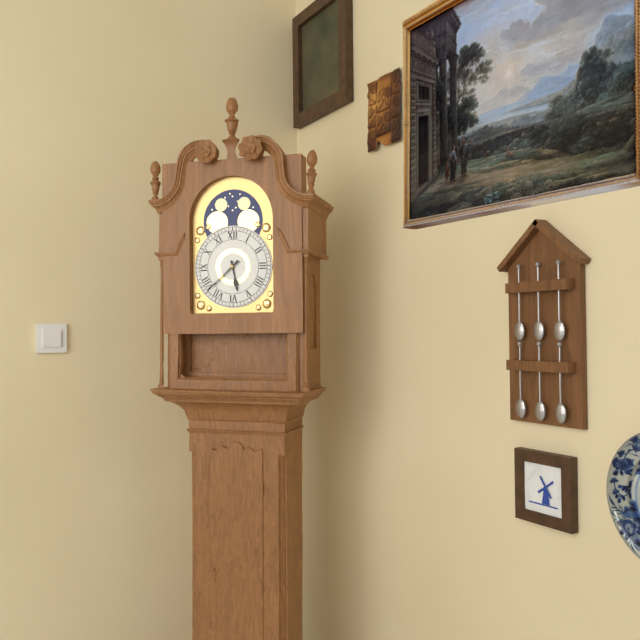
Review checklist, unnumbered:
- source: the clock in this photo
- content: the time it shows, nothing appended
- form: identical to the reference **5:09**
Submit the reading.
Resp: **5:38**
